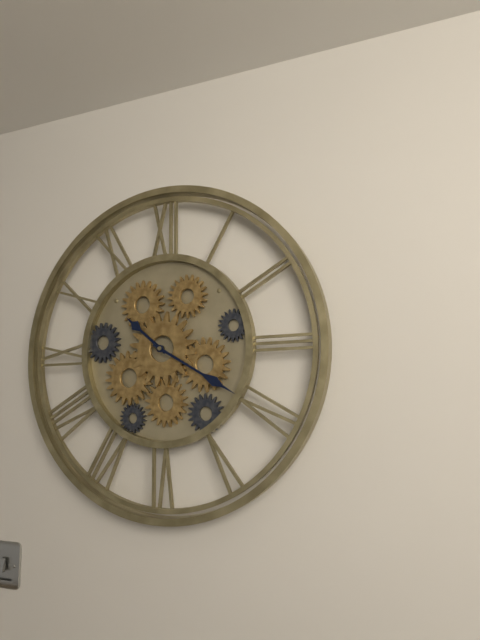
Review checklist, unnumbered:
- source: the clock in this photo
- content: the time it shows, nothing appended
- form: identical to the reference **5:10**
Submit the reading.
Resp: **10:20**
